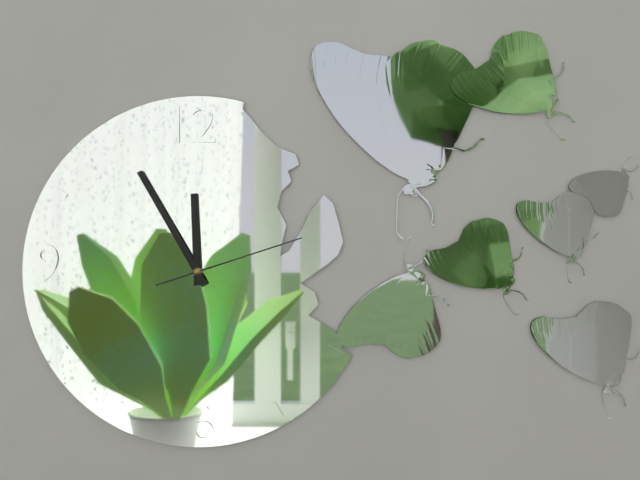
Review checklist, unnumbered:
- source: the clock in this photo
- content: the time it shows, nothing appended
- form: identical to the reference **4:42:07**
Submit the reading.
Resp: **11:55:12**
